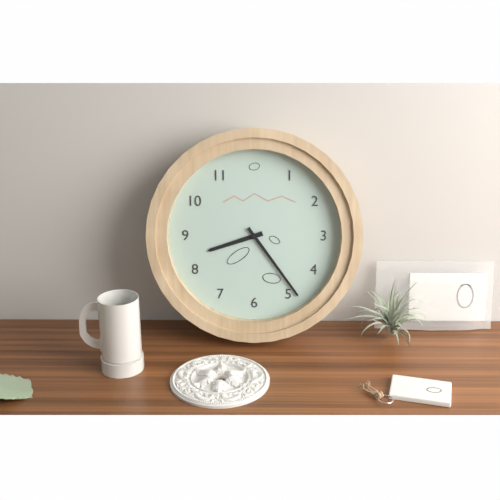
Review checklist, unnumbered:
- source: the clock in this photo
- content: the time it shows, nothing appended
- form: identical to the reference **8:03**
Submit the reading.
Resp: **8:24**
